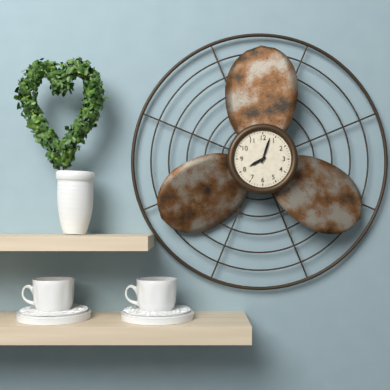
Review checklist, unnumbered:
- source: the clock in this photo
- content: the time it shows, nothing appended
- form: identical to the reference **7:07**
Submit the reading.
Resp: **8:03**
